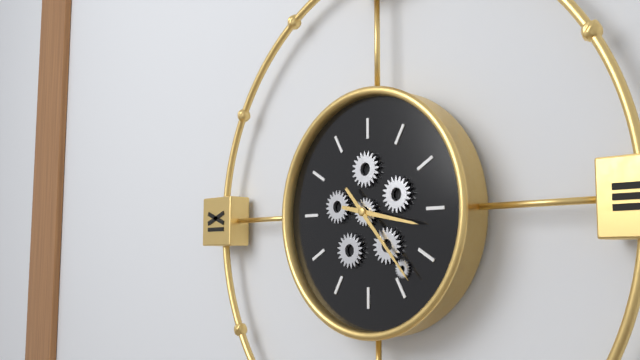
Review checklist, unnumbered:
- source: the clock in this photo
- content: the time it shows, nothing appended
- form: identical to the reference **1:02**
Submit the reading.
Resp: **3:23**
